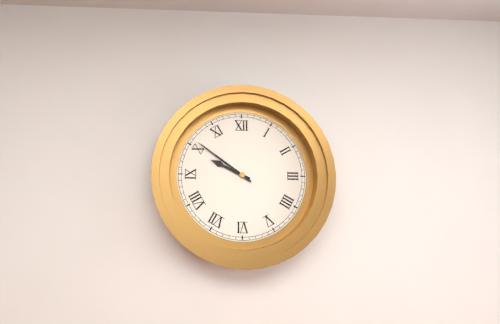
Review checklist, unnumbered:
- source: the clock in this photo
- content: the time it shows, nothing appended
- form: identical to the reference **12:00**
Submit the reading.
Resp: **9:51**
